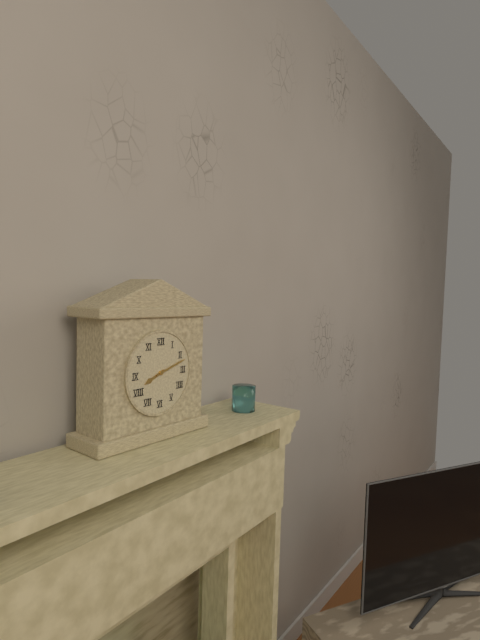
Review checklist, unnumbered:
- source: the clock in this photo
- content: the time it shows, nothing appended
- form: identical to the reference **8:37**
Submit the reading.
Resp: **8:12**
